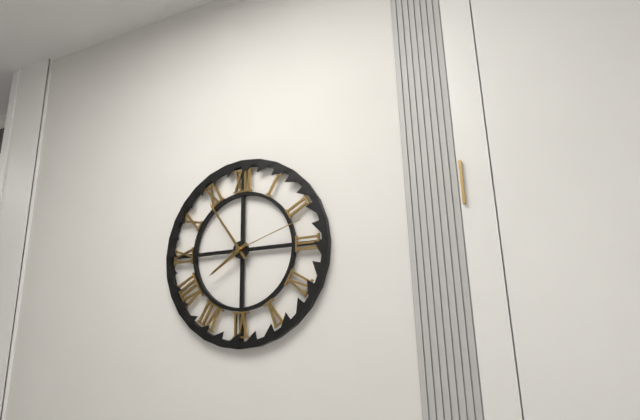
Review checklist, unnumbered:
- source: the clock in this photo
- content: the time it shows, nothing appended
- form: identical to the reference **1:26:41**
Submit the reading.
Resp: **7:54:12**
